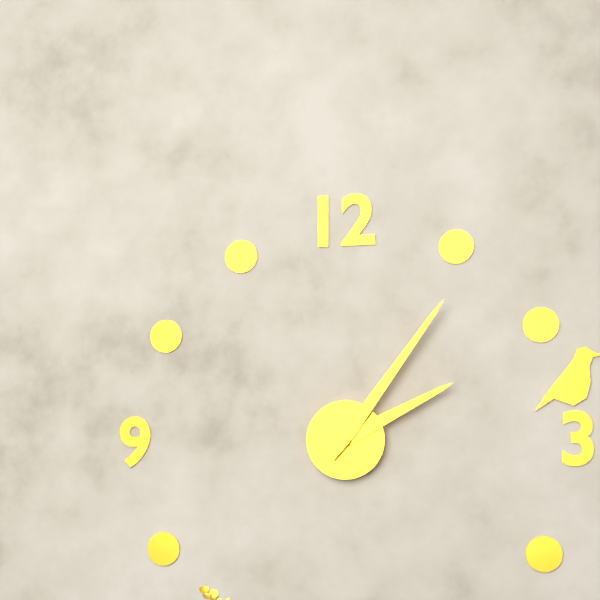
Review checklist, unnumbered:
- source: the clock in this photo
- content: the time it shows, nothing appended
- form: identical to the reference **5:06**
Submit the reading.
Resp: **2:06**
